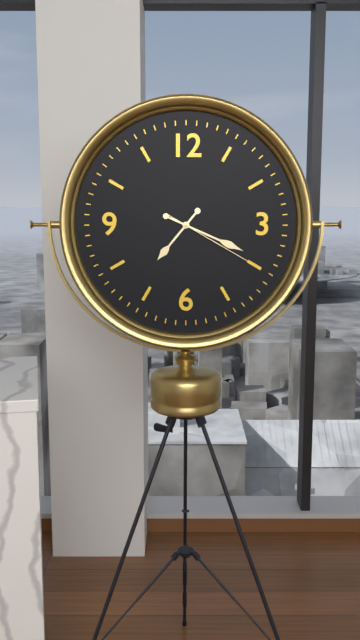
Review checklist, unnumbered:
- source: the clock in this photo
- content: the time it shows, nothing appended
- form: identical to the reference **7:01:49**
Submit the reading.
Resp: **7:19:20**
